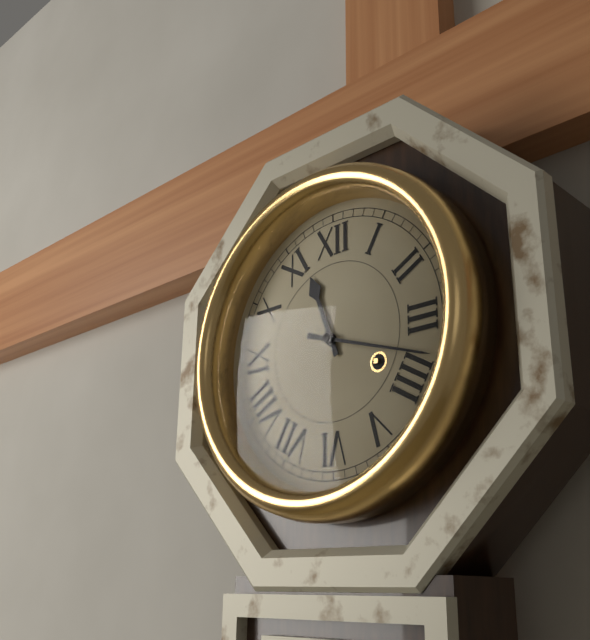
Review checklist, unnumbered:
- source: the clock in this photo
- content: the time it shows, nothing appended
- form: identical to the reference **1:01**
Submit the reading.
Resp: **11:18**
